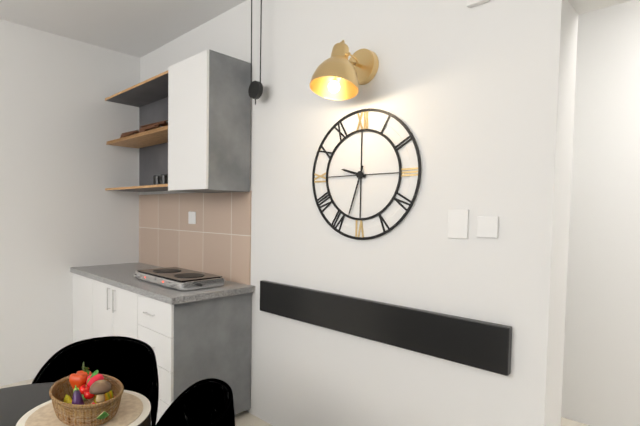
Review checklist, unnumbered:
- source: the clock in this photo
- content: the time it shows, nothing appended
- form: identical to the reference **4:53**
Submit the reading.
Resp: **9:33**
